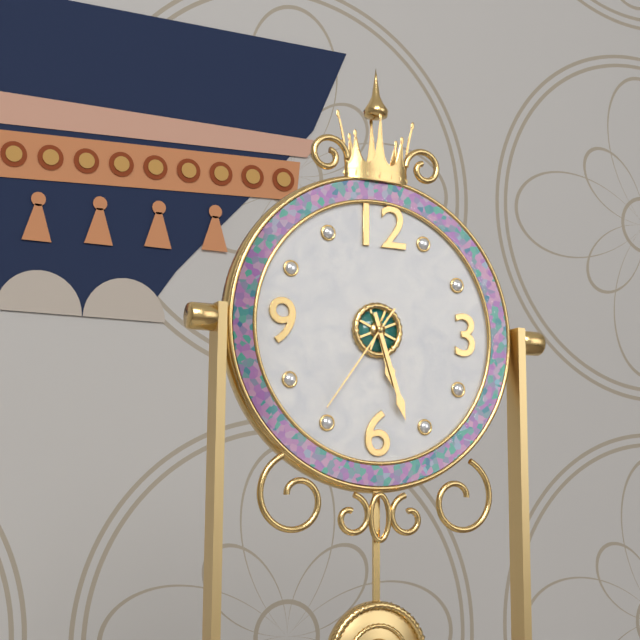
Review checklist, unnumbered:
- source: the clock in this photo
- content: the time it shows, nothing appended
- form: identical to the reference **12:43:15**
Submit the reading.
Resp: **5:27:36**
